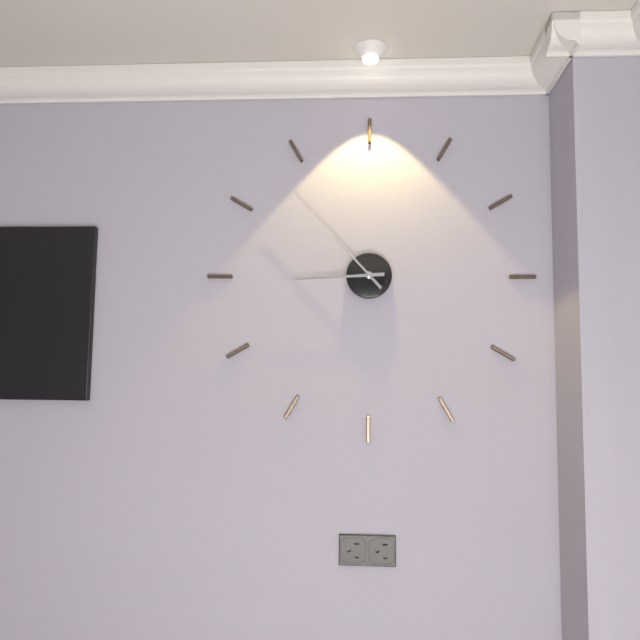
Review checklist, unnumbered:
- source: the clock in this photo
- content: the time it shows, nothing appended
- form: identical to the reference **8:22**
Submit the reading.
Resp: **8:53**
